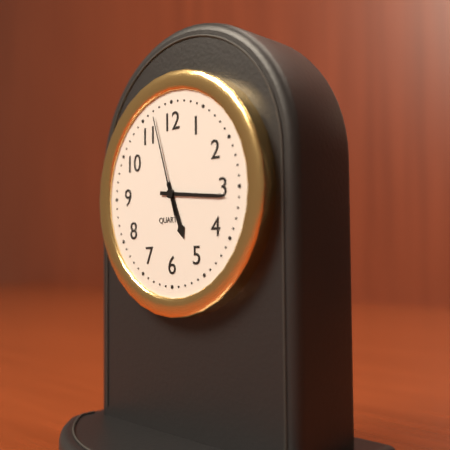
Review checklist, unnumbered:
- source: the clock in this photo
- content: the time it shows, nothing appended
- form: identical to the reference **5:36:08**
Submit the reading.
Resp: **5:16:57**
